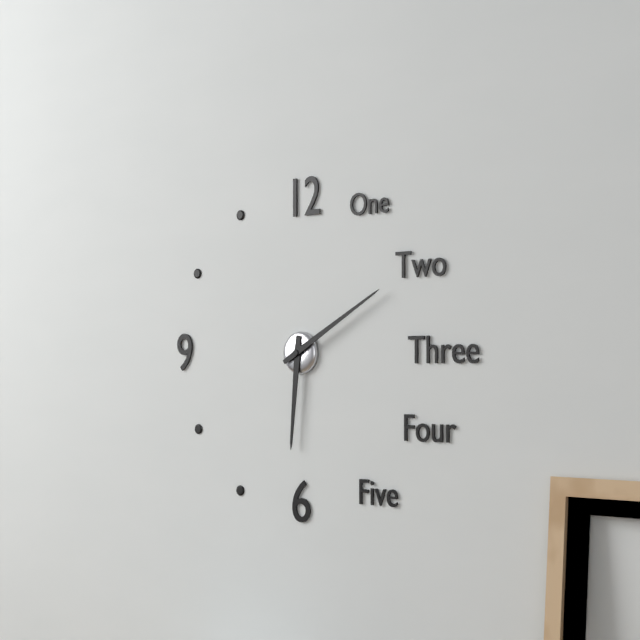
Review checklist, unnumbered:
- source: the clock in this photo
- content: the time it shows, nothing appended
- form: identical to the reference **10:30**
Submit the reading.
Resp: **6:10**
